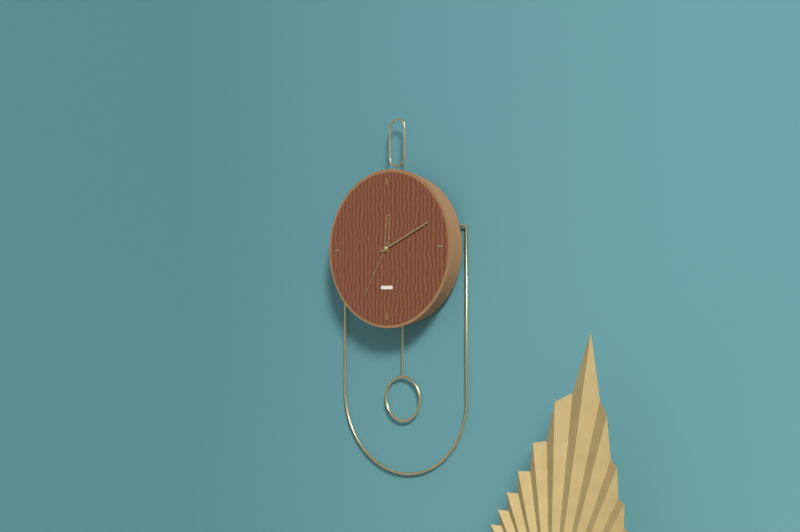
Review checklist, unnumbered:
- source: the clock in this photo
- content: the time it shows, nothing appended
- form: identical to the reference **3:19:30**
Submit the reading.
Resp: **12:11:35**
